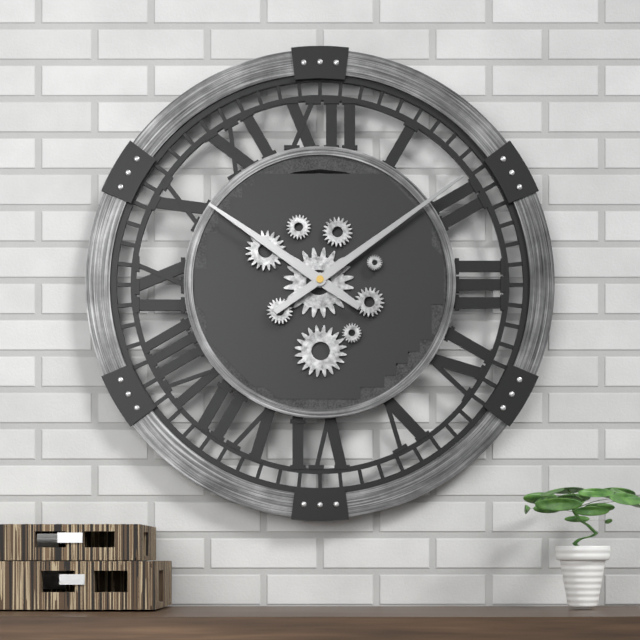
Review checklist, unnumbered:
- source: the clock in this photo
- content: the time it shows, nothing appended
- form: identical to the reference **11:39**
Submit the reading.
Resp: **10:09**
